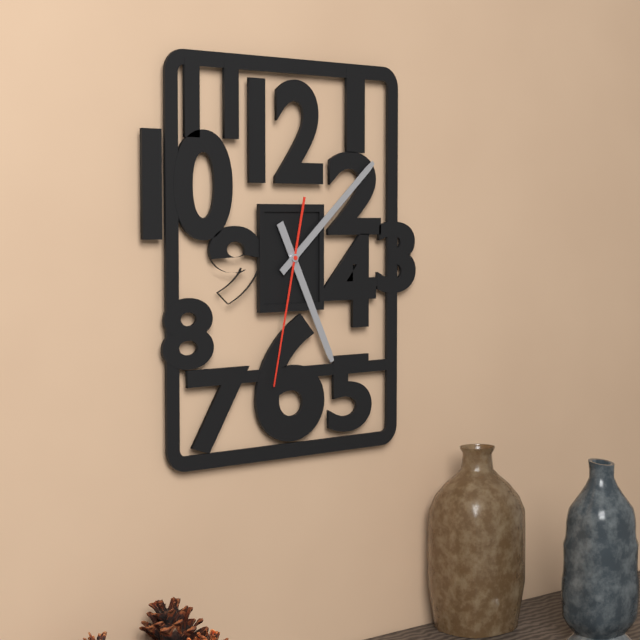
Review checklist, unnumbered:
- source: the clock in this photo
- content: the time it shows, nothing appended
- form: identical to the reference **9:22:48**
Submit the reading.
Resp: **5:08:32**
